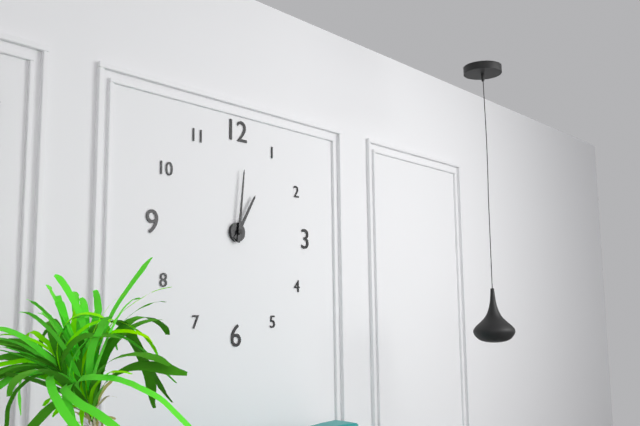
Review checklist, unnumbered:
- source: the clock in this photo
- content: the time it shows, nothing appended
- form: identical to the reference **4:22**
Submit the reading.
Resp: **1:01**
